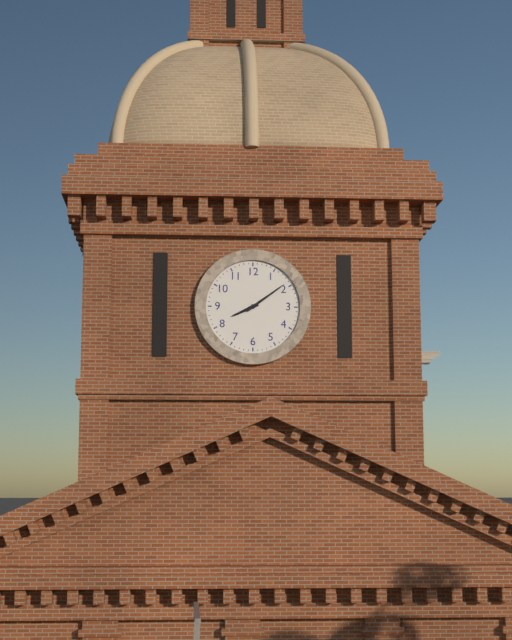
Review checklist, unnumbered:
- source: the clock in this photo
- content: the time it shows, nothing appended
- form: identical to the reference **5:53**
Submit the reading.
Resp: **8:09**
